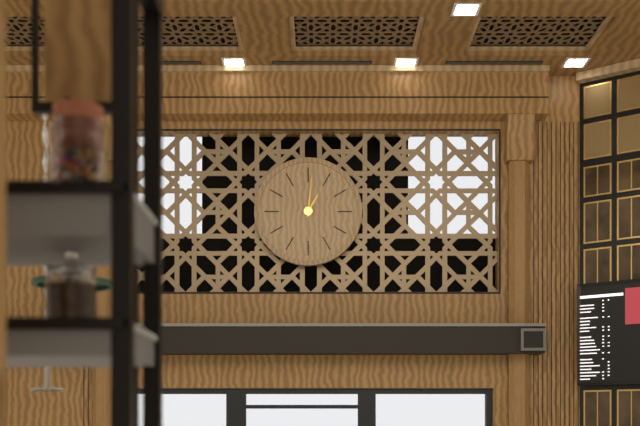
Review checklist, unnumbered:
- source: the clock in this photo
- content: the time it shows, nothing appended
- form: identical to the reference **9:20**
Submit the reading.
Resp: **1:01**
